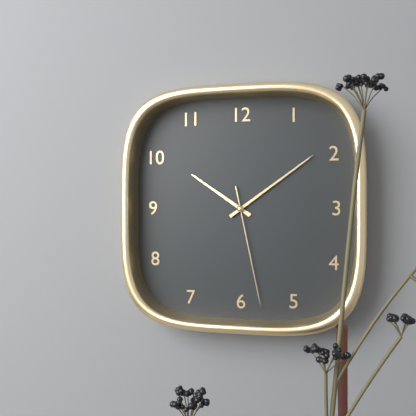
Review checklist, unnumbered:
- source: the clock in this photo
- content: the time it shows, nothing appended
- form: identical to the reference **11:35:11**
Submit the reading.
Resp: **10:09:28**
